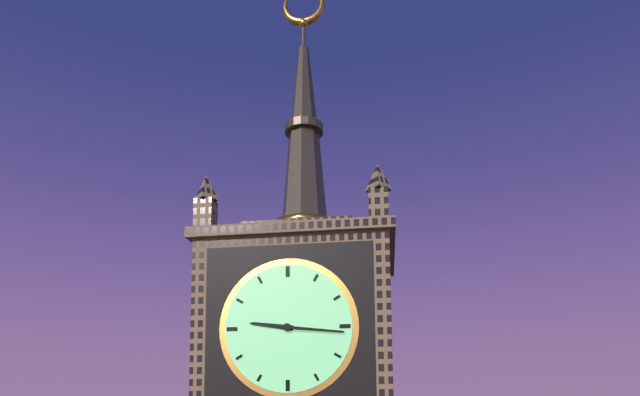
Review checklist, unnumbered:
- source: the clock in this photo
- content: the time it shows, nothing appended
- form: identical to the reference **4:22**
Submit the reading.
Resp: **9:16**
